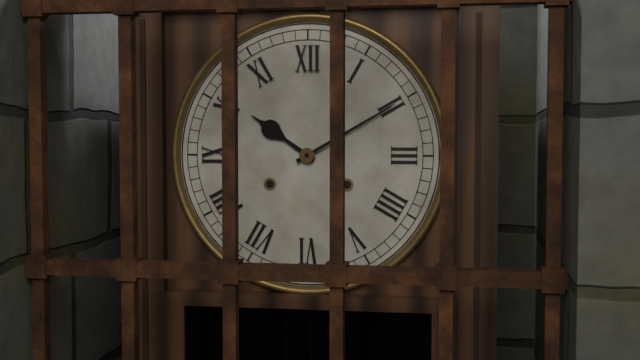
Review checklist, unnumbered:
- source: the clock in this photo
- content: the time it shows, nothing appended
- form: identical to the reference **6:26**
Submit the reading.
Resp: **10:10**
